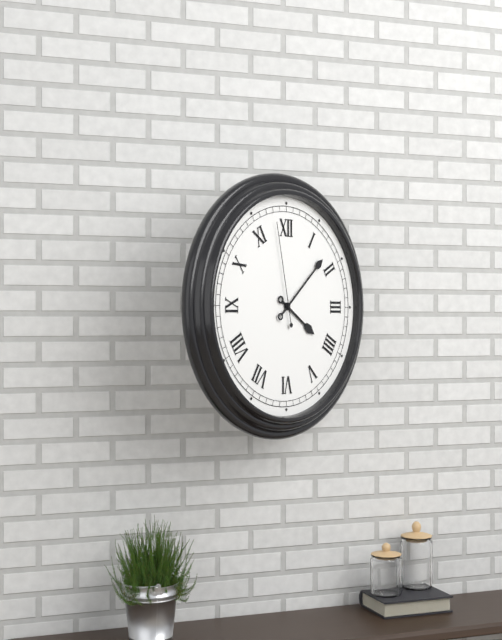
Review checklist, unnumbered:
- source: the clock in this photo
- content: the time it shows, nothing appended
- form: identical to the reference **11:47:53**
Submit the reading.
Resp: **4:08:58**
